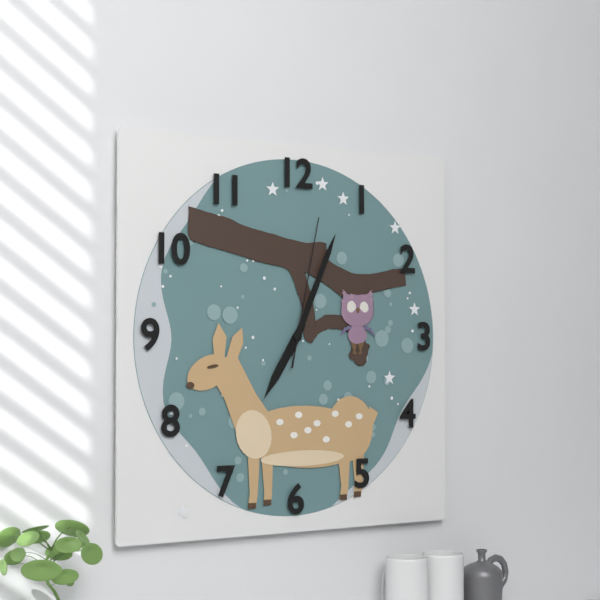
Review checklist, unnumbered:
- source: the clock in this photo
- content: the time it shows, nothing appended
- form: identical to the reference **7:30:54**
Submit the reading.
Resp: **7:04:02**
